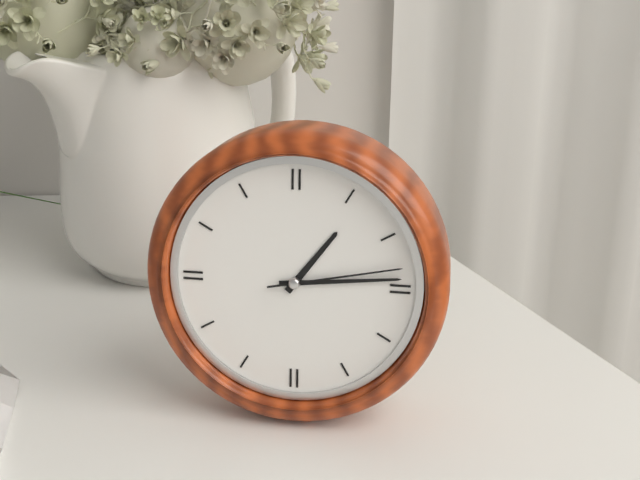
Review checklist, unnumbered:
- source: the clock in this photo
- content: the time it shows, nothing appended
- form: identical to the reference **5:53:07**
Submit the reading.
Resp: **1:14:13**
